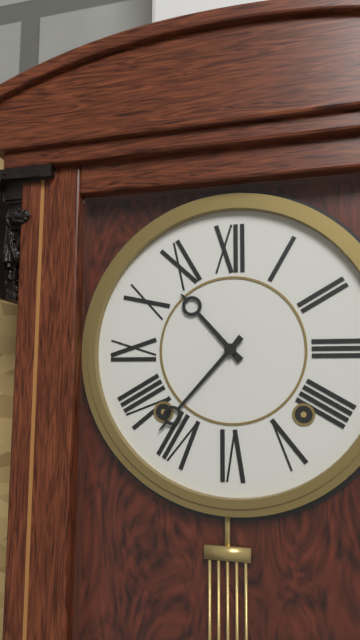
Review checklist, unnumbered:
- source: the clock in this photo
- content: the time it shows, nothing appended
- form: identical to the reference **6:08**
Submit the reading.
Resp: **10:37**
